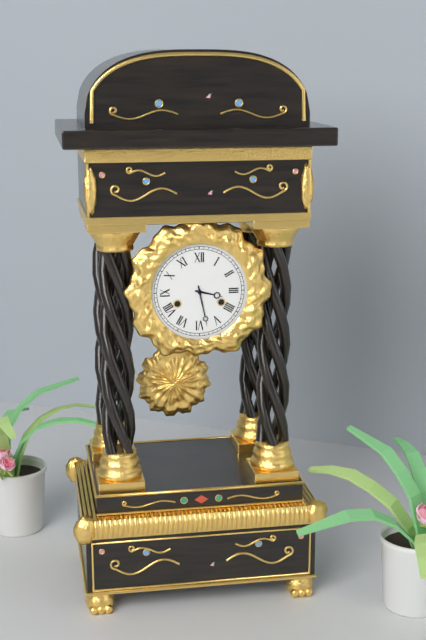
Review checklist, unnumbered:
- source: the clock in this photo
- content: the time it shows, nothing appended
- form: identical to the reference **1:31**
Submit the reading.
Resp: **3:28**
